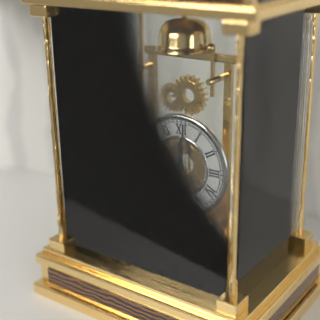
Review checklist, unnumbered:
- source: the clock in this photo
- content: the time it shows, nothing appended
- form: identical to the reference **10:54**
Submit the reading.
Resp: **12:01**
